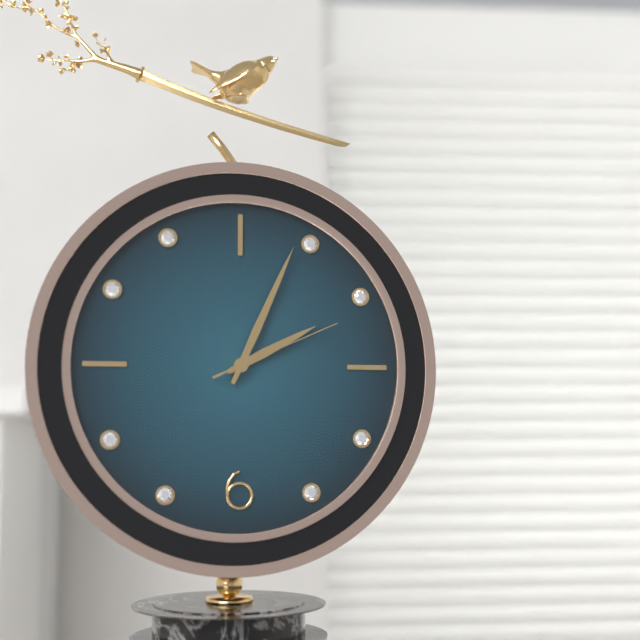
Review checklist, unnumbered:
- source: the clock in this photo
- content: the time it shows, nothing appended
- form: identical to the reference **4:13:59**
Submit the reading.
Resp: **2:04:11**
